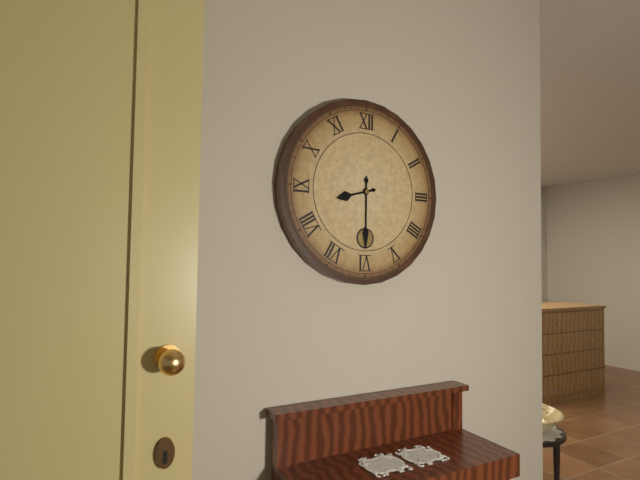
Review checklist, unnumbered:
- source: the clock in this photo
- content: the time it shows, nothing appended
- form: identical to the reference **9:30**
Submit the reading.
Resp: **8:30**
